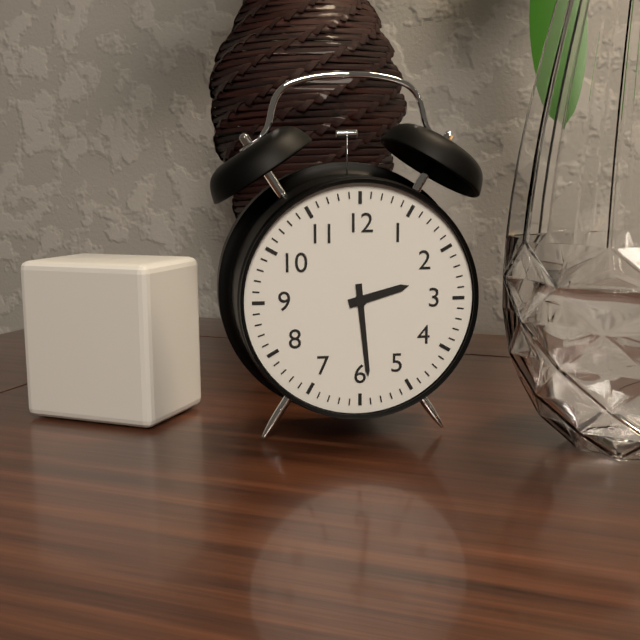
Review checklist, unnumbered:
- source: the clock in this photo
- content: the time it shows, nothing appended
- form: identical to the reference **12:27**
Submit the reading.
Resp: **2:29**
